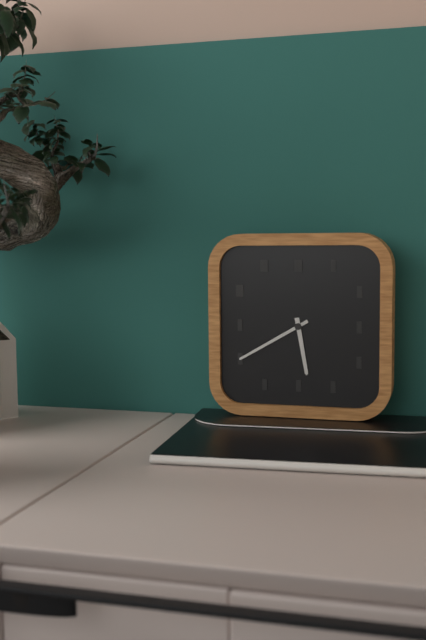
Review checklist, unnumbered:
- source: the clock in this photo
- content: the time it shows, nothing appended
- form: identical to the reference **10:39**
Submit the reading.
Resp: **5:40**
